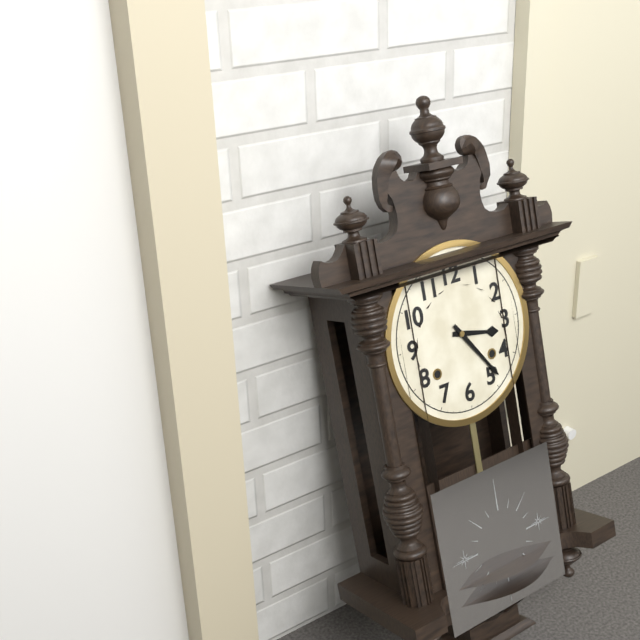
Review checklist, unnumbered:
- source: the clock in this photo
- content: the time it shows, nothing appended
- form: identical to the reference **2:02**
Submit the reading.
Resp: **3:24**
